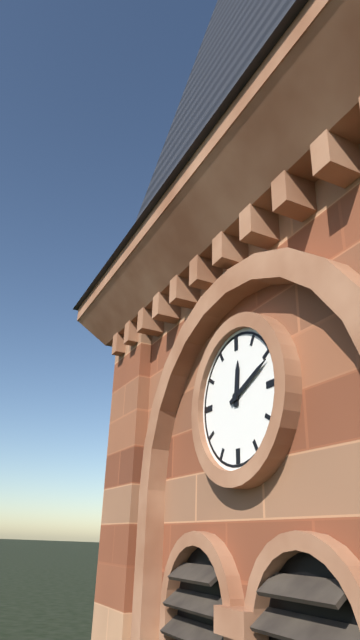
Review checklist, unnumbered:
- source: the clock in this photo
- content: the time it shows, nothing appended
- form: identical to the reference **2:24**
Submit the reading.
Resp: **12:11**
